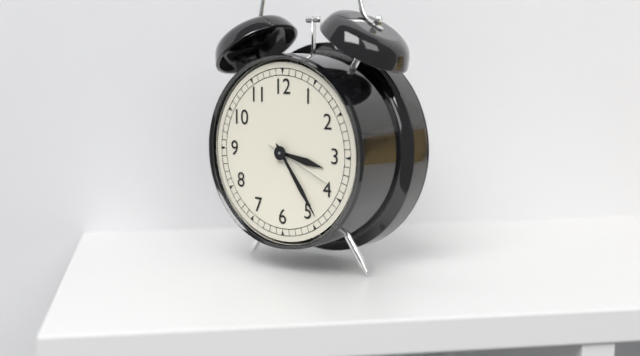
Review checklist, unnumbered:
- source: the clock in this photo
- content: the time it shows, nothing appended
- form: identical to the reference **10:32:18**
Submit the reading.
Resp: **3:24:19**
